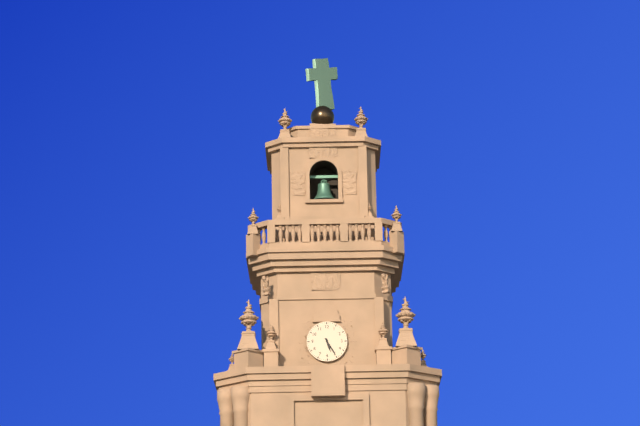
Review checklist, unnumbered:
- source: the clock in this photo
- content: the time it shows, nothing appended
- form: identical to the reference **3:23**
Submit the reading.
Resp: **5:25**
